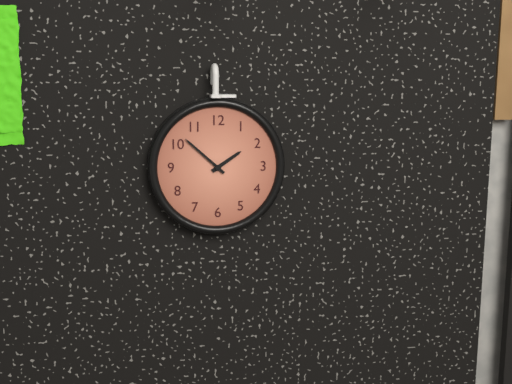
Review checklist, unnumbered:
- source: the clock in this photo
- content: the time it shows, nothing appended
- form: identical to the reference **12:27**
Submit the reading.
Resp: **1:52**
